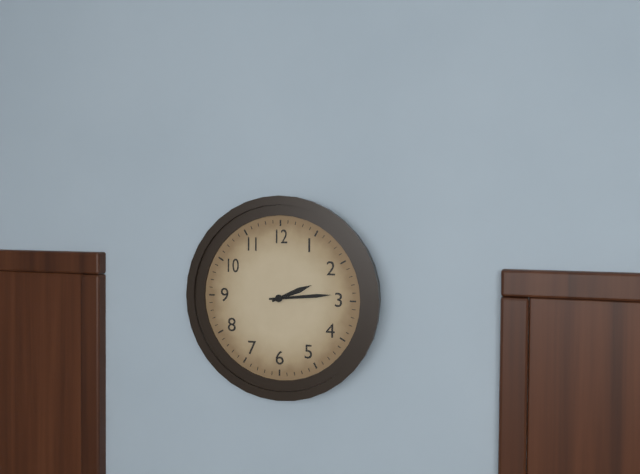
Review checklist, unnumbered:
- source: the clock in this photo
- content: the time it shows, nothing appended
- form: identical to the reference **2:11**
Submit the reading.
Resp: **2:14**
